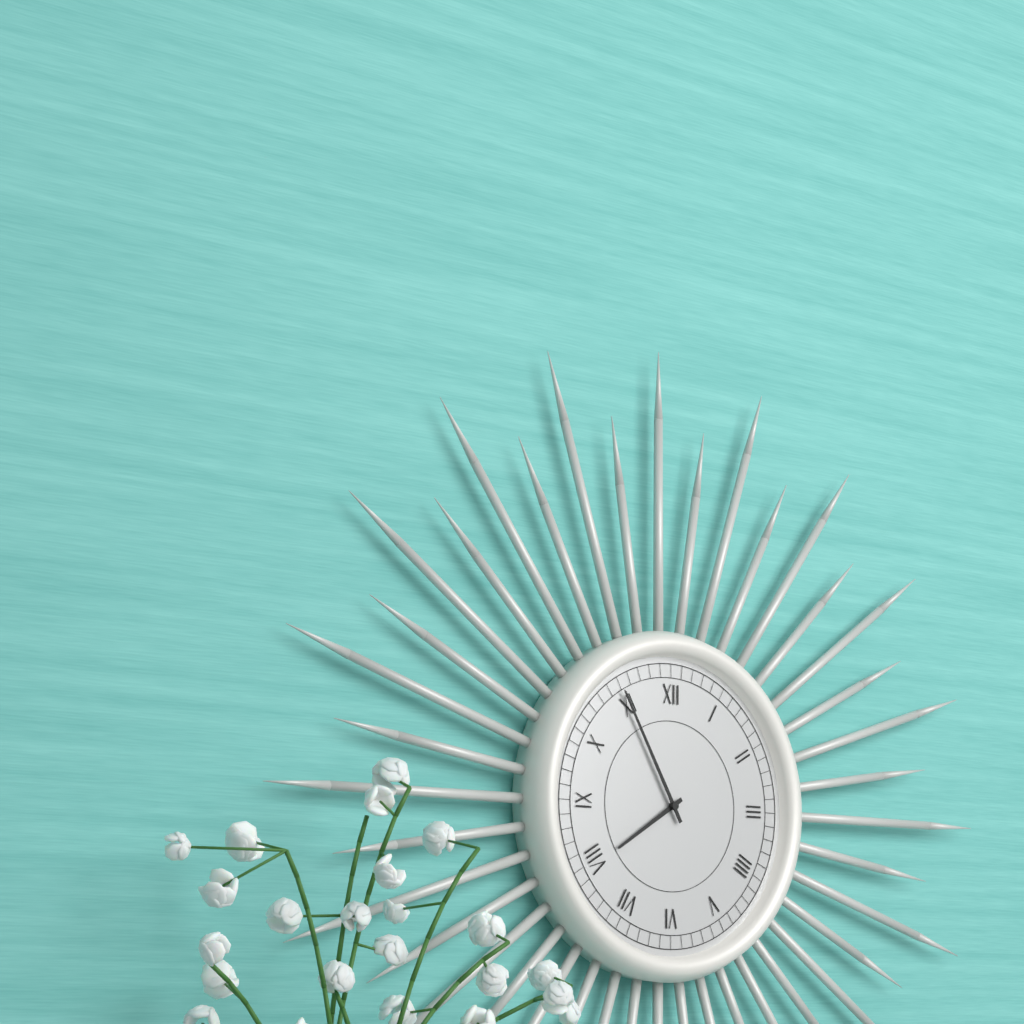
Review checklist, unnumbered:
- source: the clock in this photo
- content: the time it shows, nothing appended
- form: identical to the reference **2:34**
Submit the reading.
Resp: **7:55**
